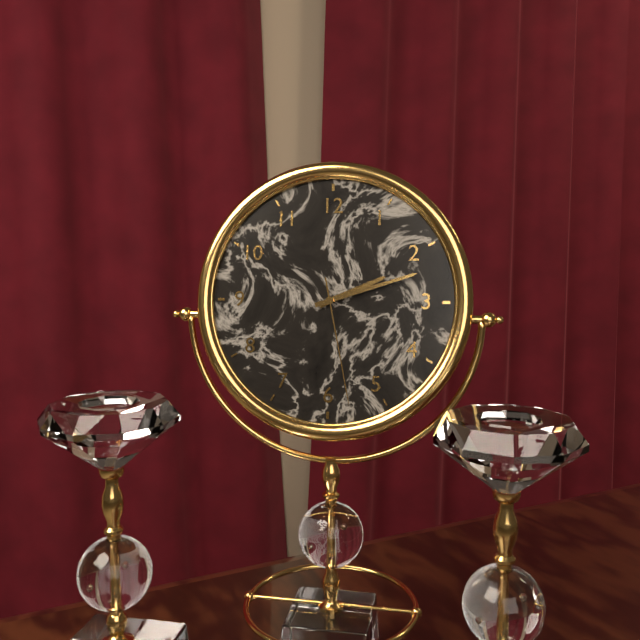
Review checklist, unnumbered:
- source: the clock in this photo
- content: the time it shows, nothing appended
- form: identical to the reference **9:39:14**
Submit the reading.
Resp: **2:12:28**
